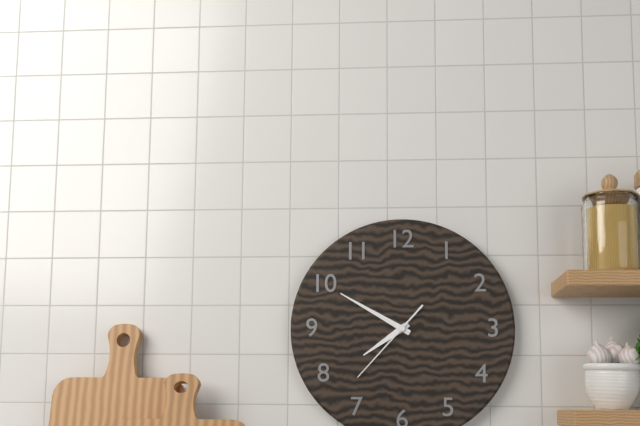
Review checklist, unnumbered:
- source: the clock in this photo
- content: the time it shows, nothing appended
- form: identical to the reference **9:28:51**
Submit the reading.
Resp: **7:50:37**
